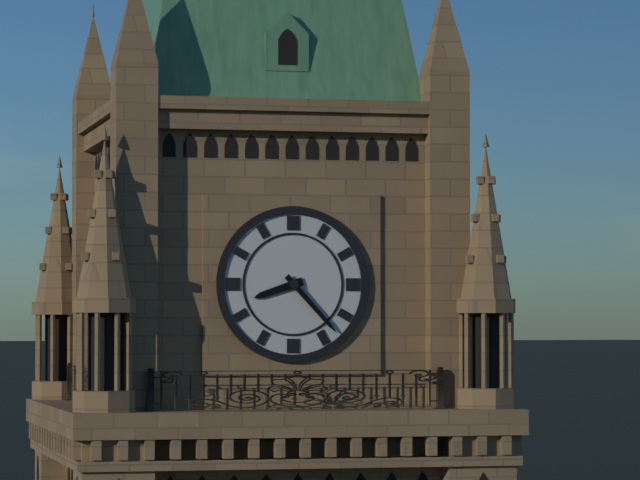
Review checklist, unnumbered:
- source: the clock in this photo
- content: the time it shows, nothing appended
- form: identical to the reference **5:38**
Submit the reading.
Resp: **8:23**
